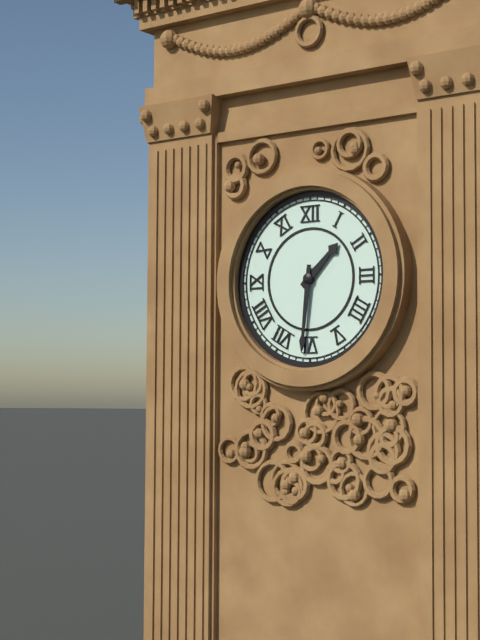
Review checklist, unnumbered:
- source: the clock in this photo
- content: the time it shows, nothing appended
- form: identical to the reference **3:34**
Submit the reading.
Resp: **1:31**
